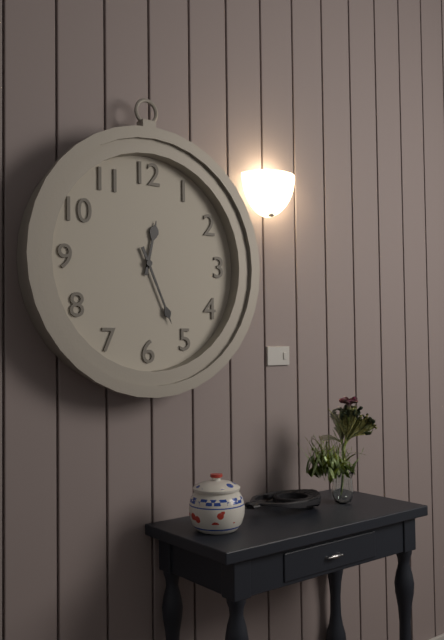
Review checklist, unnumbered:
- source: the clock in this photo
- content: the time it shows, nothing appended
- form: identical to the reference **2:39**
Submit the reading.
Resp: **12:26**
